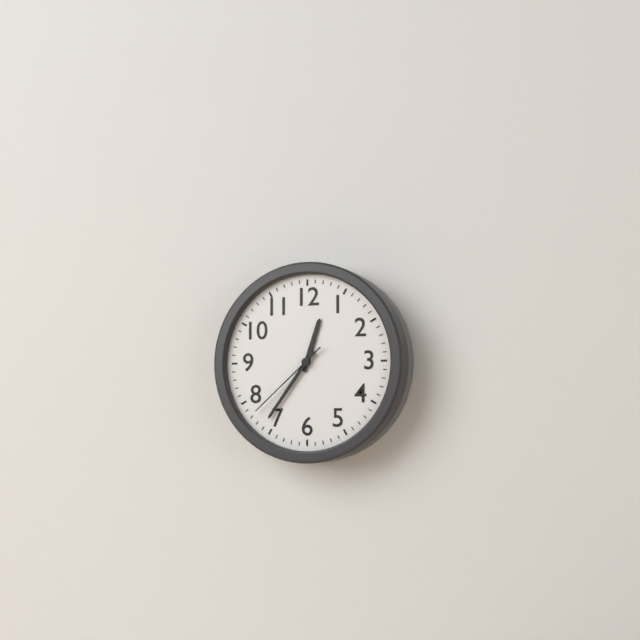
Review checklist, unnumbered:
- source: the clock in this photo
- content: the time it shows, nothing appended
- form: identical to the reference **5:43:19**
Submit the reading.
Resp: **12:36:38**
